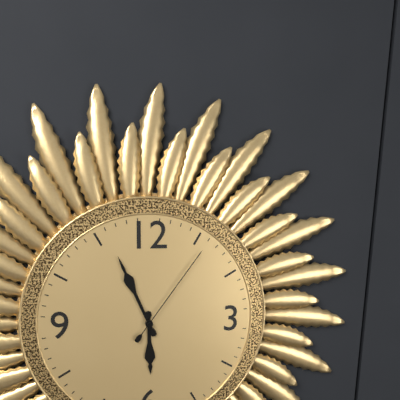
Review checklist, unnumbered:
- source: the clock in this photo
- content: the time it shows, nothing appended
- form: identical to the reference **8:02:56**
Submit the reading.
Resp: **5:56:06**
